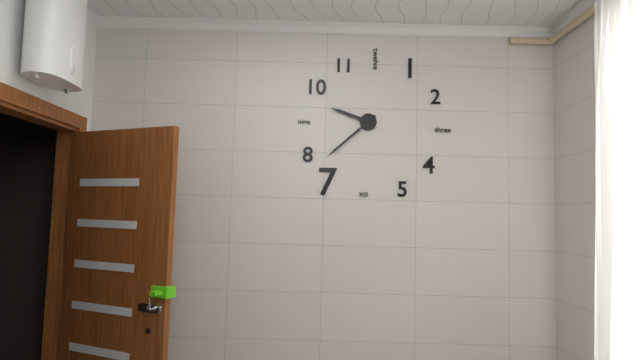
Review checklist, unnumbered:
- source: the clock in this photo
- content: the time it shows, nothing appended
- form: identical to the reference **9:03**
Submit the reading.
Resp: **9:38**
